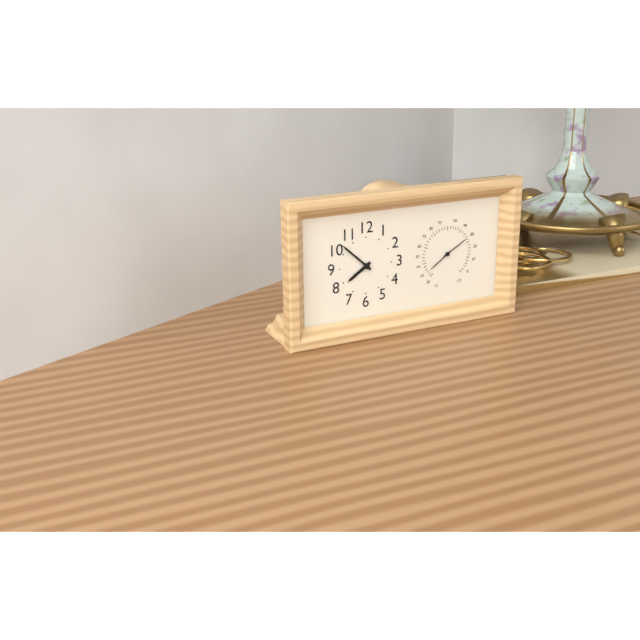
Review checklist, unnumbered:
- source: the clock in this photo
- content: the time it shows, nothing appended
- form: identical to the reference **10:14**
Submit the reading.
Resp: **7:52**
